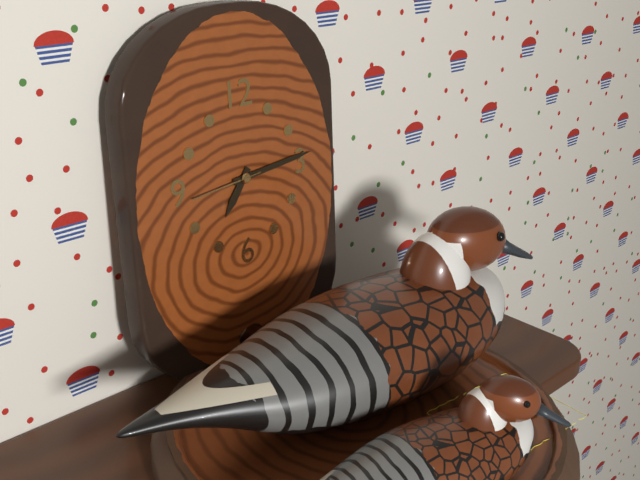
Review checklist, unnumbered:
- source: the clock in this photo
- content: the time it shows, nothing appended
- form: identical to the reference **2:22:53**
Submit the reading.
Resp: **7:14:44**
